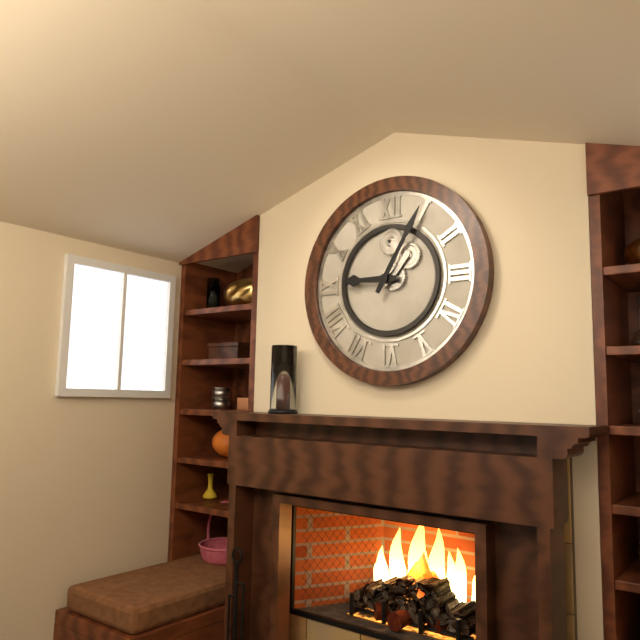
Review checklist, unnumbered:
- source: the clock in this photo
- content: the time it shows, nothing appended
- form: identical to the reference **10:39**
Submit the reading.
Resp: **9:05**
